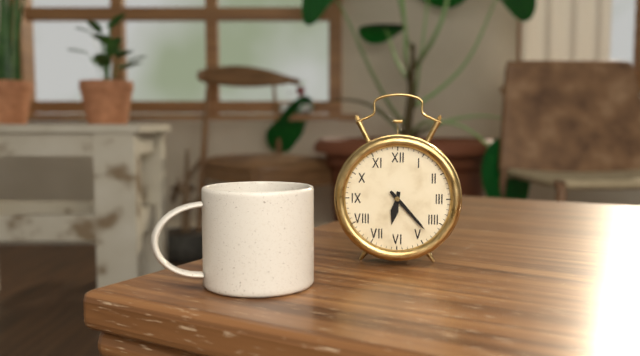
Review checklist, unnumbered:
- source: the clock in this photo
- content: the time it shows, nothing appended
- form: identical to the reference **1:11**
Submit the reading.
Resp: **6:23**
